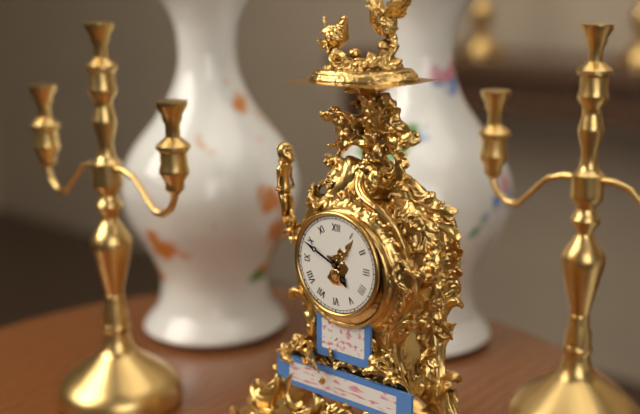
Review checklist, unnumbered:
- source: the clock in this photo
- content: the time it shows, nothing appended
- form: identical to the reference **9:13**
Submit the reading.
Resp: **4:49**
